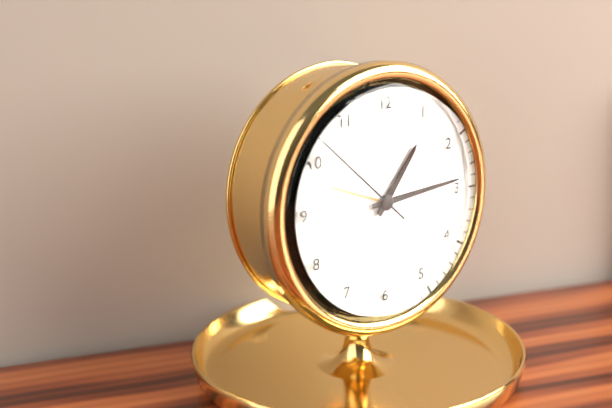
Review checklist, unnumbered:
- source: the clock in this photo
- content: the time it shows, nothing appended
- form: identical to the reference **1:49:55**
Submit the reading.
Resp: **1:14:52**
